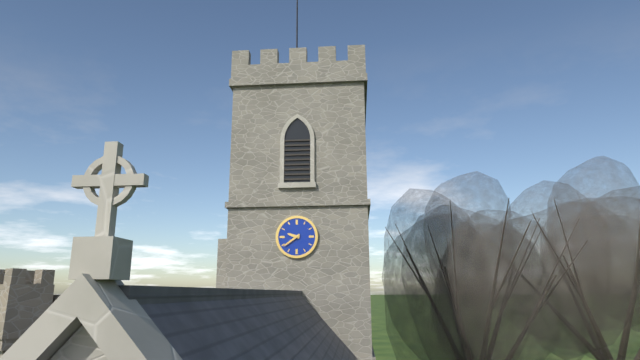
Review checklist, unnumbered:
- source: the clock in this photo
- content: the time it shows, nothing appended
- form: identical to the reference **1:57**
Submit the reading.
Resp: **9:39**
